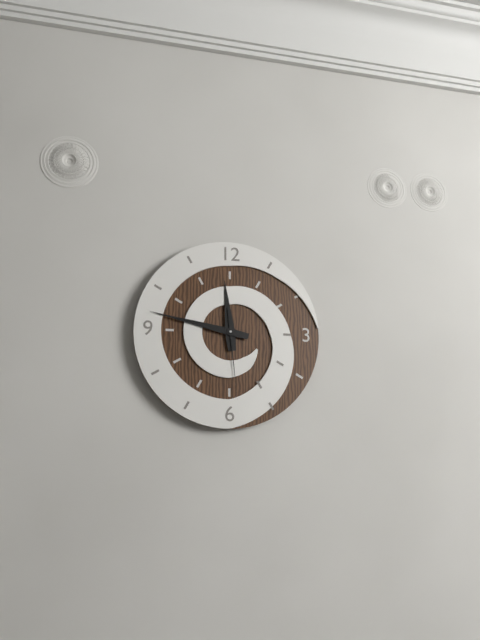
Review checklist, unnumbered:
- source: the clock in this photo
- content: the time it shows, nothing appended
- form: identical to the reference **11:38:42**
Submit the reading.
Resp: **11:47:29**
